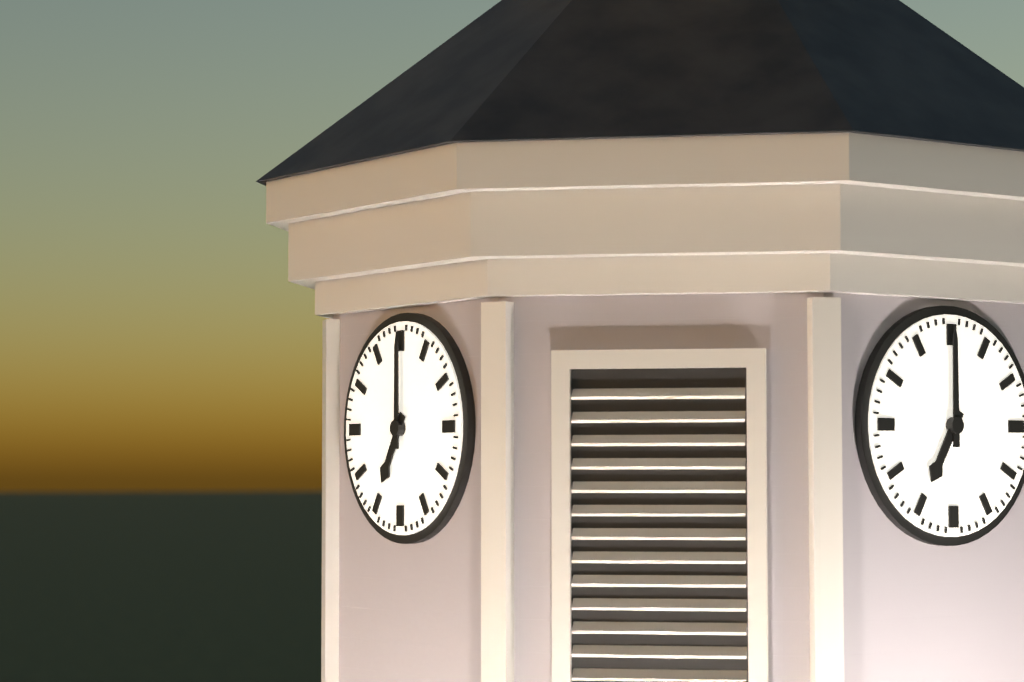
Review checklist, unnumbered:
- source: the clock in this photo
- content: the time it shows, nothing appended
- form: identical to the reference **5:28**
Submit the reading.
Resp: **7:00**
